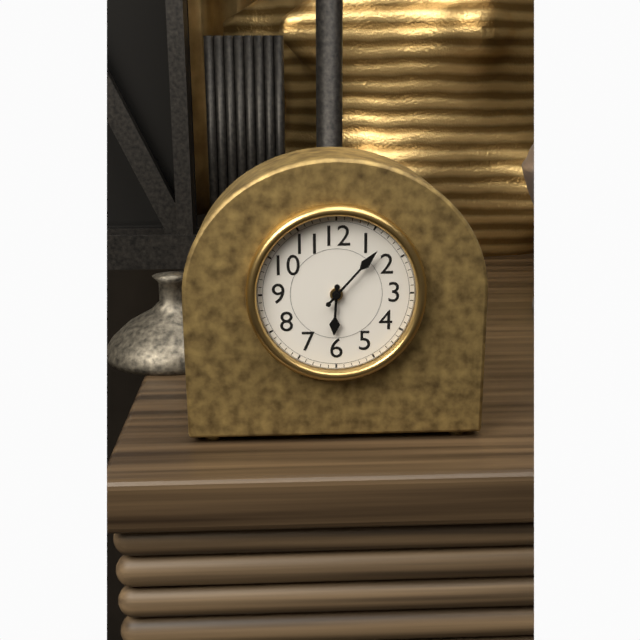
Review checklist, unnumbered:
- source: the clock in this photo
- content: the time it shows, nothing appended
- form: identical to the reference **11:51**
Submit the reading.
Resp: **6:07**
